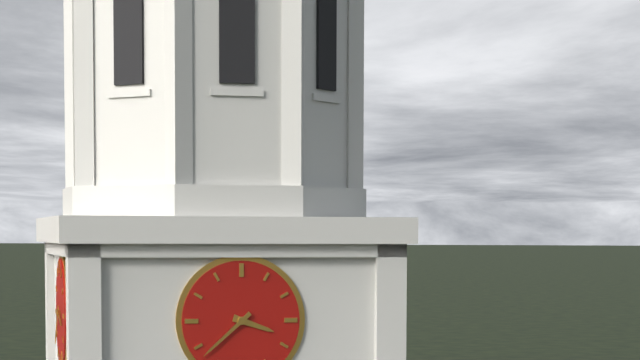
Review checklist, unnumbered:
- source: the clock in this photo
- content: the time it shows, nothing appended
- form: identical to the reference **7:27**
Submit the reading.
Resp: **3:38**
